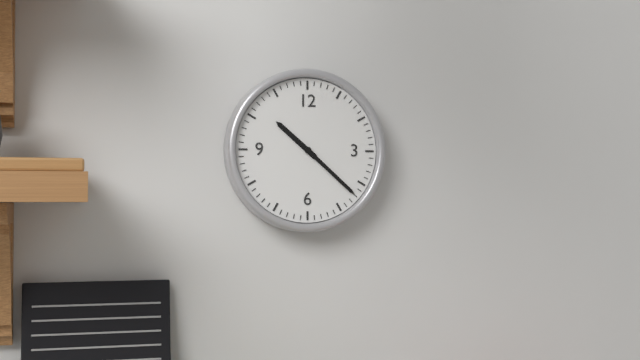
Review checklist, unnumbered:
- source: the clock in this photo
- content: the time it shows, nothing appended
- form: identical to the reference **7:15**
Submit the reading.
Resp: **10:22**
